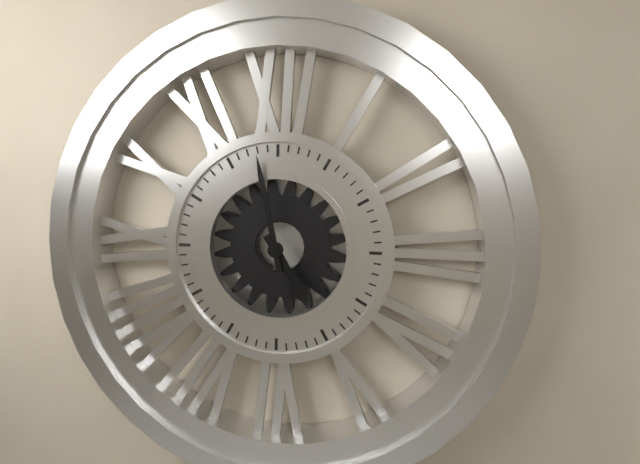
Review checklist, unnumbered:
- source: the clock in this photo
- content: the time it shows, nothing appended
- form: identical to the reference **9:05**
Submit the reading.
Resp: **4:58**
